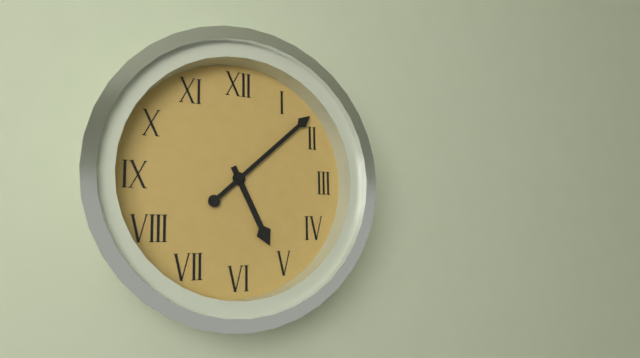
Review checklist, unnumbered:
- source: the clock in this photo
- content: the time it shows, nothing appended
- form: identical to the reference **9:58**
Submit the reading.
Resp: **5:08**
